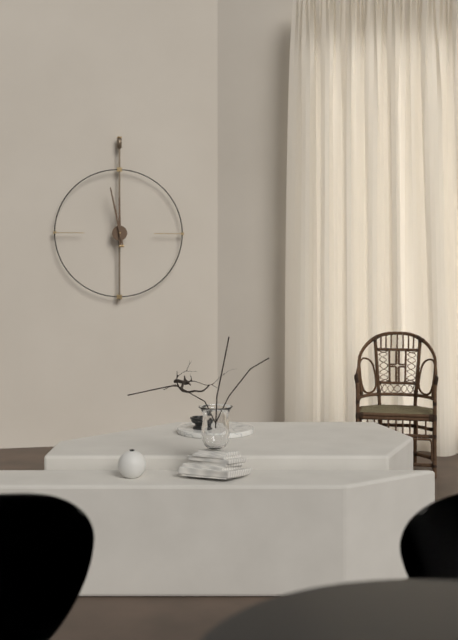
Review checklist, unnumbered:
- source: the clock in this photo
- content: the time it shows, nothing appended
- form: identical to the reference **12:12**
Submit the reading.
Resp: **11:58**
